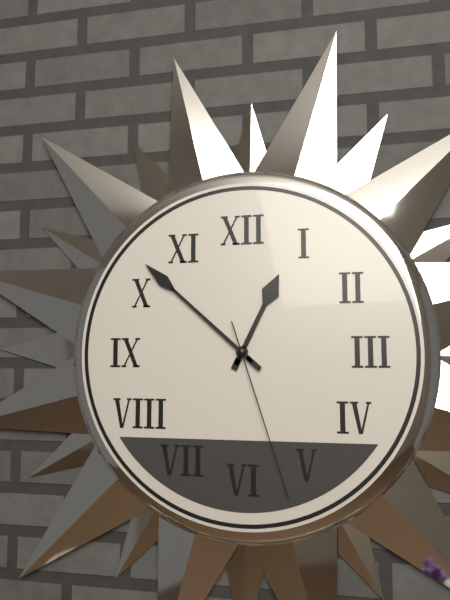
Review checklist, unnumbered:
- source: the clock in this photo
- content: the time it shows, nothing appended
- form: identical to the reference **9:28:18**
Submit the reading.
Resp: **12:52:27**
